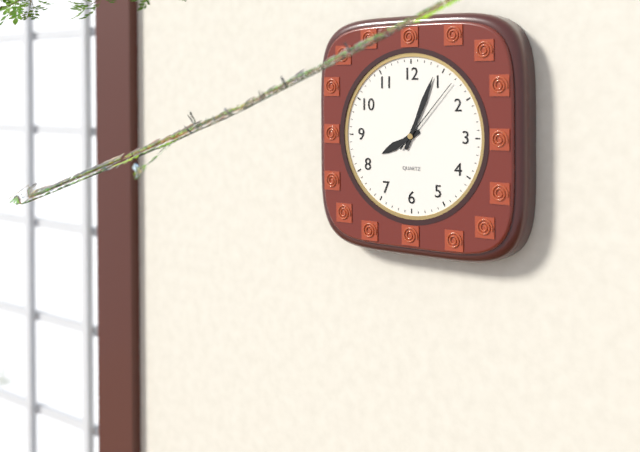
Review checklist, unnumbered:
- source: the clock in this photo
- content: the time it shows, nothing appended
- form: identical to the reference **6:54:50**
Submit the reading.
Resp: **8:04:07**
